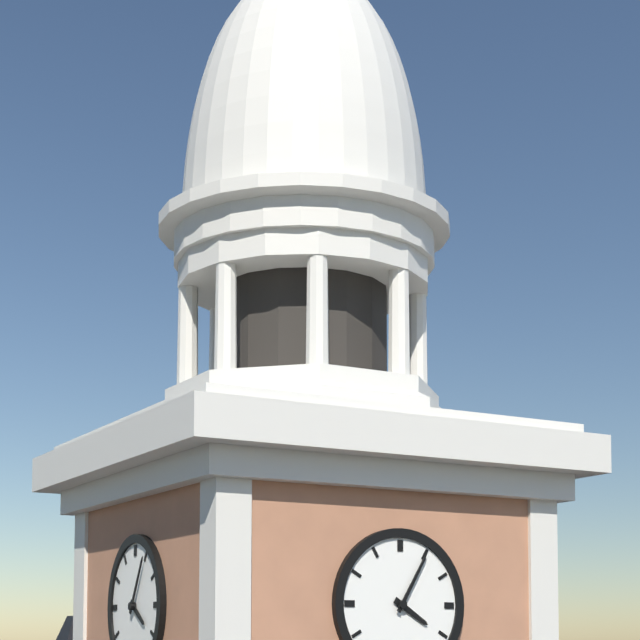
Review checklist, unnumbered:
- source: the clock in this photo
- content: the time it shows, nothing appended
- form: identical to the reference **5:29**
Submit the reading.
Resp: **4:05**
